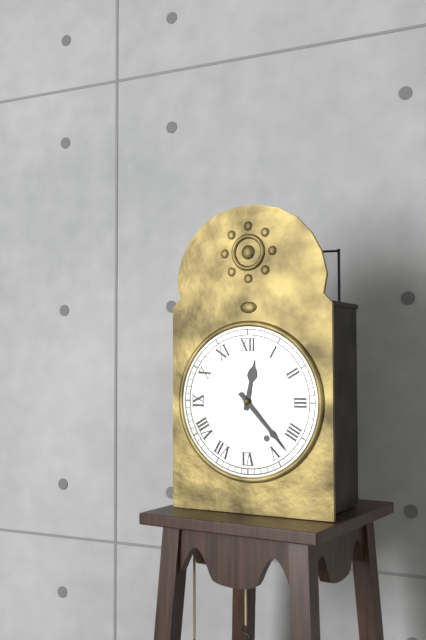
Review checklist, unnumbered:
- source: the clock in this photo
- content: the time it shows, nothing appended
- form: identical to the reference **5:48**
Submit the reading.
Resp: **12:23**
